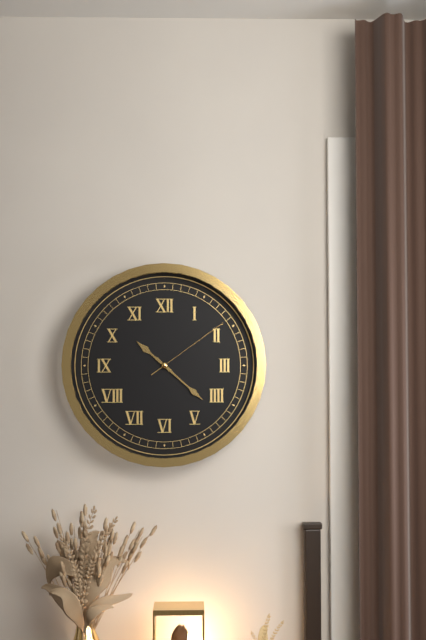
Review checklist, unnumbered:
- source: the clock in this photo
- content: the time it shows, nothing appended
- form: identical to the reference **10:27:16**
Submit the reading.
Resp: **10:22:09**
